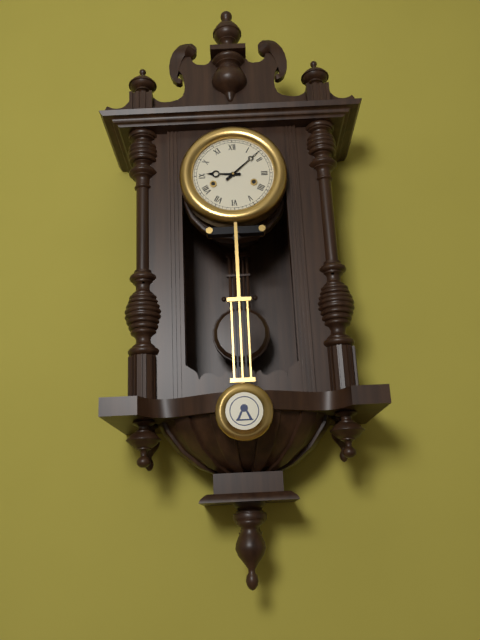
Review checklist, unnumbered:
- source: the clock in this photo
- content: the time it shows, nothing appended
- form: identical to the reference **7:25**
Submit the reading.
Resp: **9:08**
